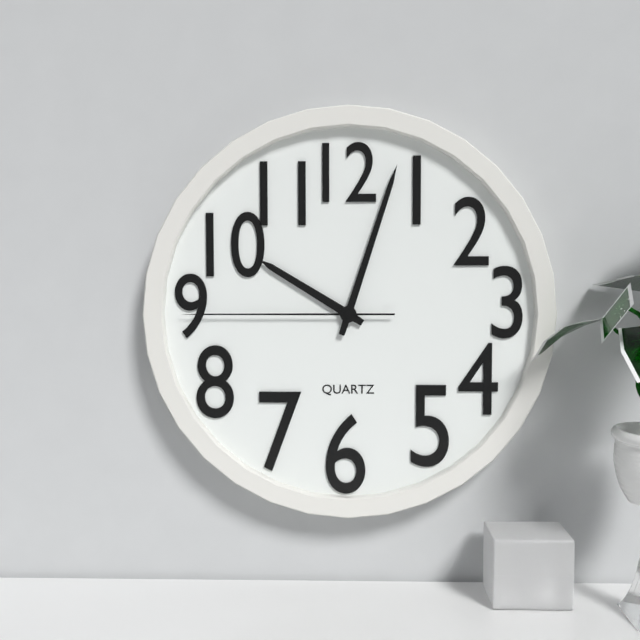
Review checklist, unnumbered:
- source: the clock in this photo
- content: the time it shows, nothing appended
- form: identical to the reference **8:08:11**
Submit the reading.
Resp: **10:03:45**
